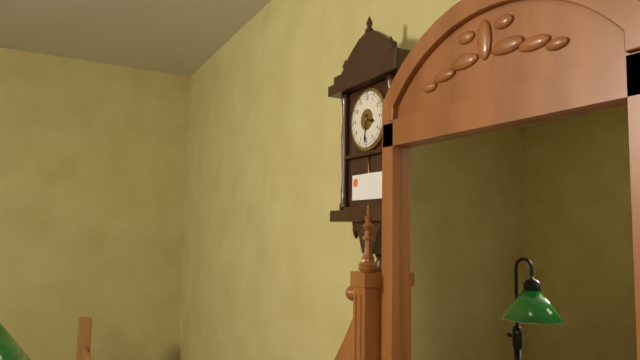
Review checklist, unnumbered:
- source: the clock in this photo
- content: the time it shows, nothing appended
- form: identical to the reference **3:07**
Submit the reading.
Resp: **3:31**
